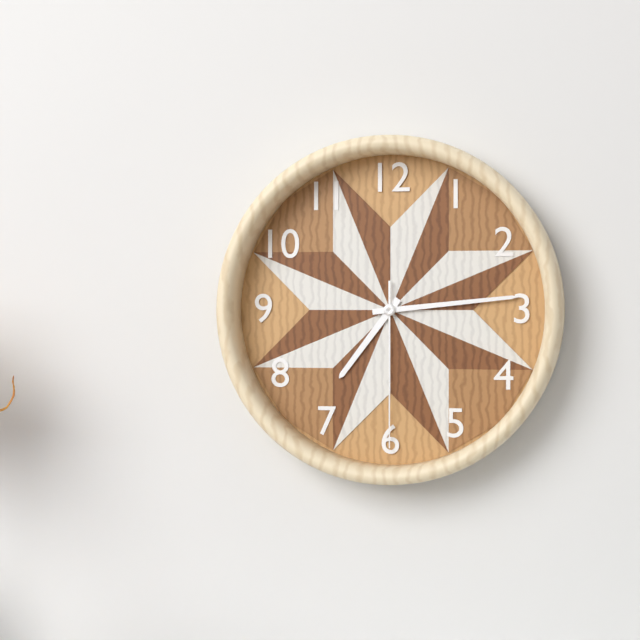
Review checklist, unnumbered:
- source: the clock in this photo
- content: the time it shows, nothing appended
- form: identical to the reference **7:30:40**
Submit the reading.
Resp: **7:14:30**
